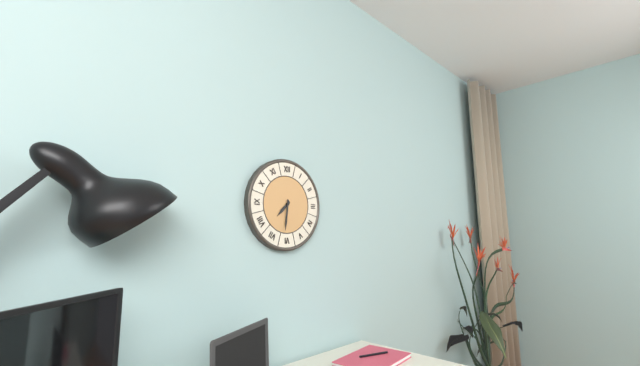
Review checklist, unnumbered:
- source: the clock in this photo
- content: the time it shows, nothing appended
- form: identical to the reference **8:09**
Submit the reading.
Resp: **7:31**
